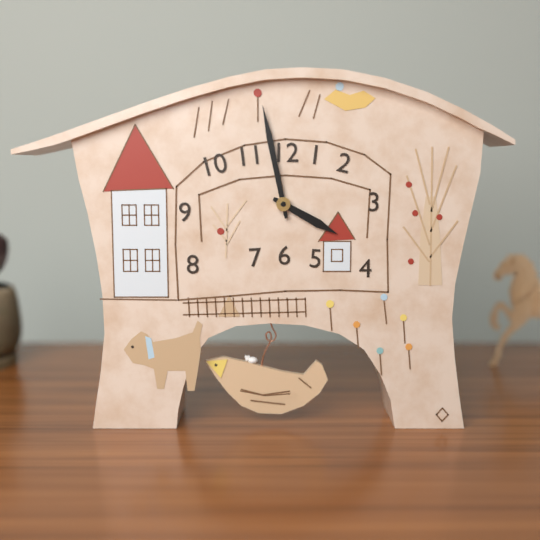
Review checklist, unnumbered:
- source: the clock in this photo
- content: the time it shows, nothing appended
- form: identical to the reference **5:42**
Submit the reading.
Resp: **3:58**
